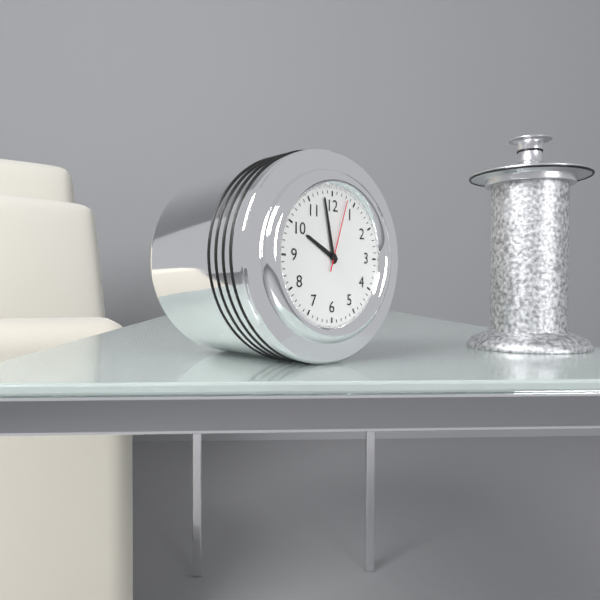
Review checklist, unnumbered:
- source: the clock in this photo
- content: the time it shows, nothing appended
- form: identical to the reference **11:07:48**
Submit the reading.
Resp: **9:58:03**
